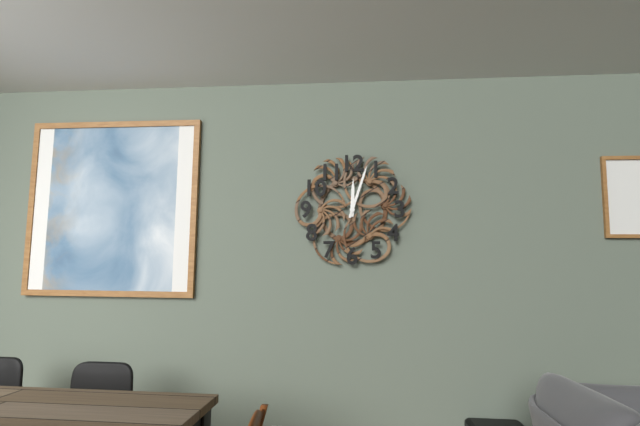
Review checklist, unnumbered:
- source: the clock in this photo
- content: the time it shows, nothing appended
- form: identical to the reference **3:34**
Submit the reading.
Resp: **12:03**
